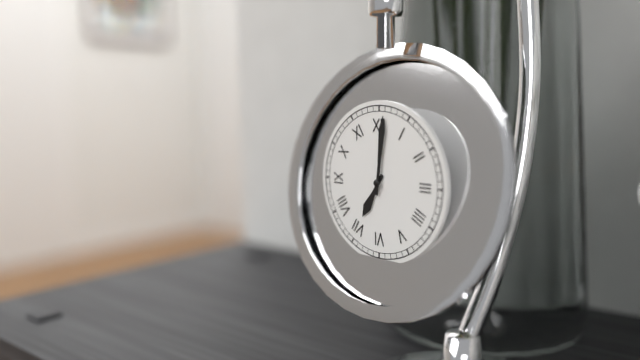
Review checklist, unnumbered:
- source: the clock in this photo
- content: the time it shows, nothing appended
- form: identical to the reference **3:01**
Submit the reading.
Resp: **7:01**
